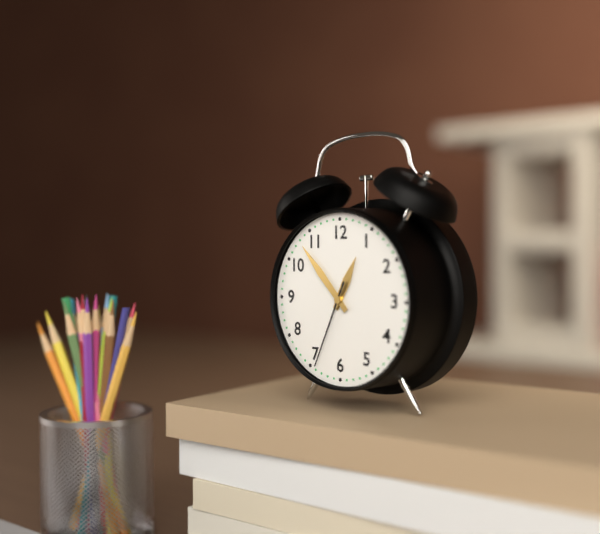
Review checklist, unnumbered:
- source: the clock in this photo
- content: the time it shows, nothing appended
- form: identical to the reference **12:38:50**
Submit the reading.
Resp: **12:53:34**
